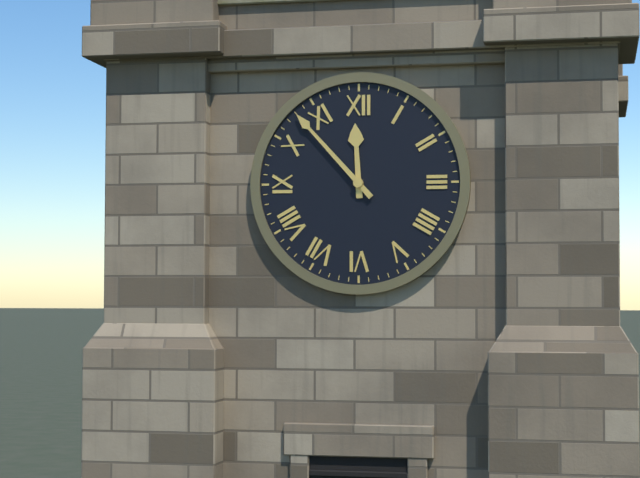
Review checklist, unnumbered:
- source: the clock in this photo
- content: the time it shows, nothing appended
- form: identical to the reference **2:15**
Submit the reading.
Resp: **11:53**
